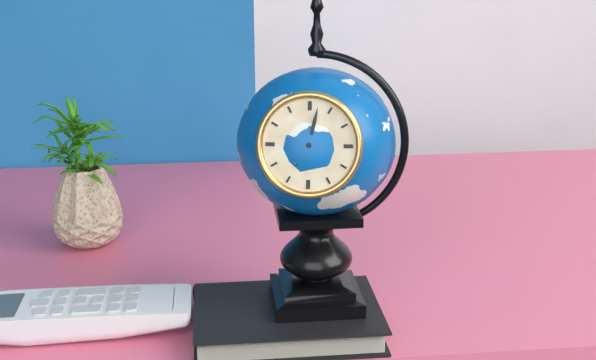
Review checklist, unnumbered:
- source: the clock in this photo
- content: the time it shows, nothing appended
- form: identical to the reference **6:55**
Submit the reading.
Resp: **7:02**
